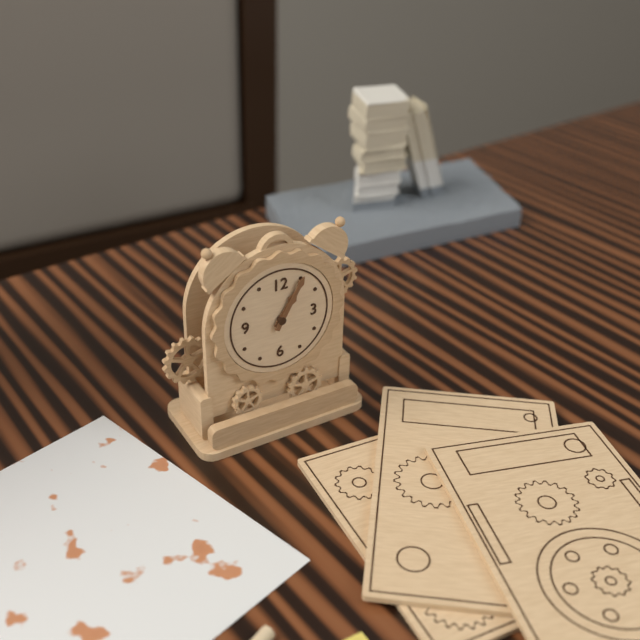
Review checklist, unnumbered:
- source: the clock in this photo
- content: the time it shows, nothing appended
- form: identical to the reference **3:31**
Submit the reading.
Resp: **1:05**
